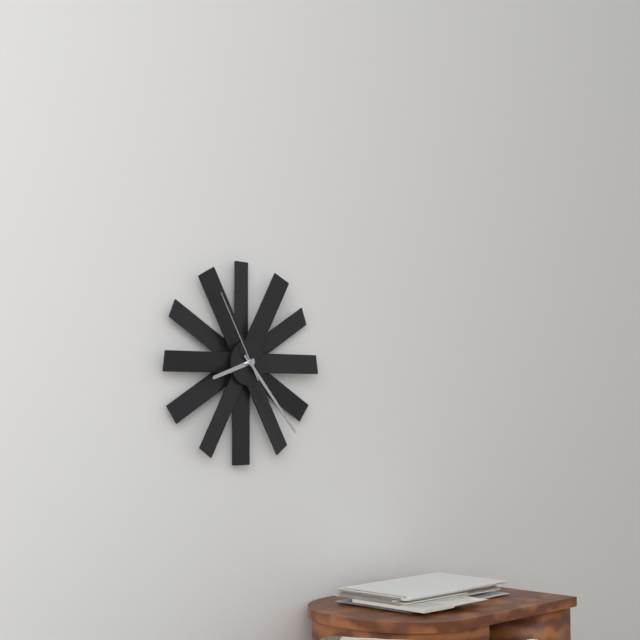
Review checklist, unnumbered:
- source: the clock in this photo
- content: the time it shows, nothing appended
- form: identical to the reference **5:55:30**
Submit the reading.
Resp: **8:23:55**
